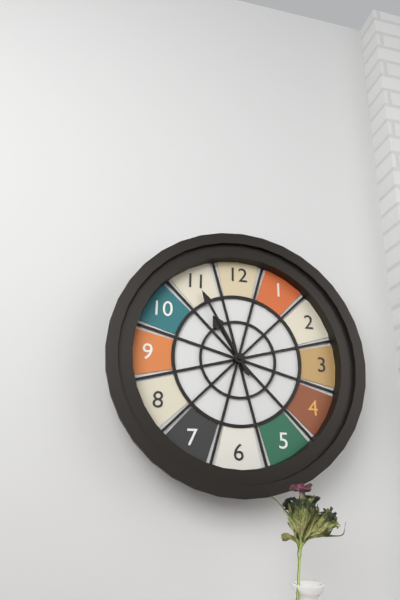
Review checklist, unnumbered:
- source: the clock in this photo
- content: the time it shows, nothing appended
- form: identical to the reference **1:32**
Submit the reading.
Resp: **10:55**
